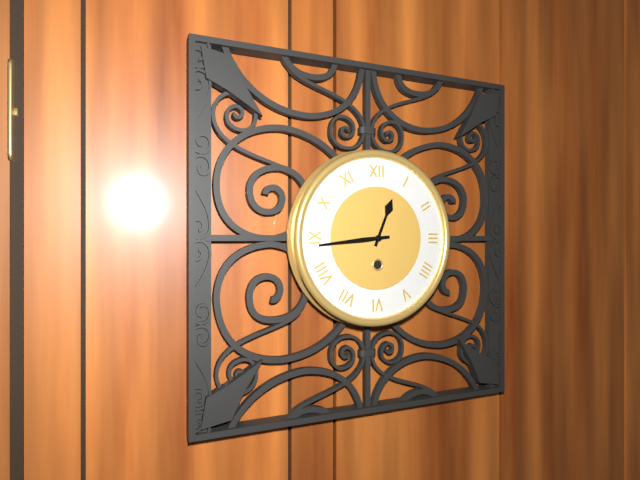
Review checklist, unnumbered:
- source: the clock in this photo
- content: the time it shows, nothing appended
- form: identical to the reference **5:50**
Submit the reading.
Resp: **12:44**
